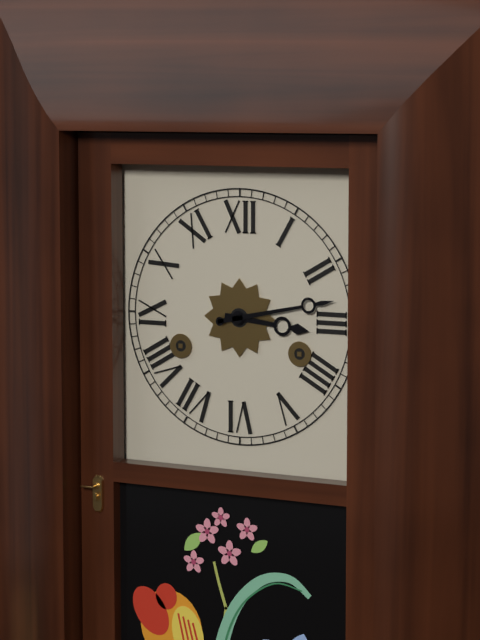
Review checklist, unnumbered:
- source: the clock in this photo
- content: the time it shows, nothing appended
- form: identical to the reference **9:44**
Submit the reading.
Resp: **3:13**
